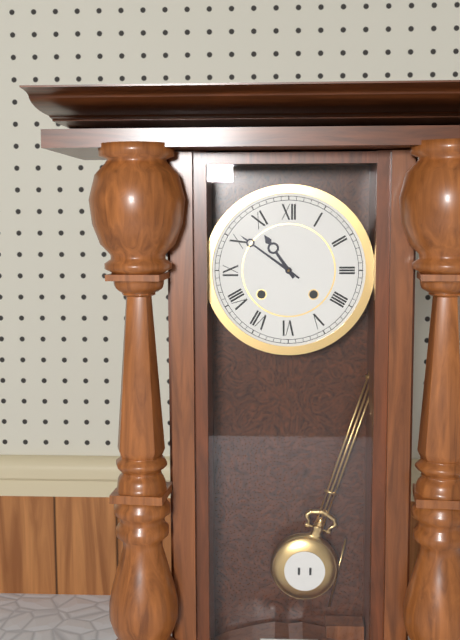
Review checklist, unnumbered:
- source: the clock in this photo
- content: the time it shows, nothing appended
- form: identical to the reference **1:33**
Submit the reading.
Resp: **10:51**
